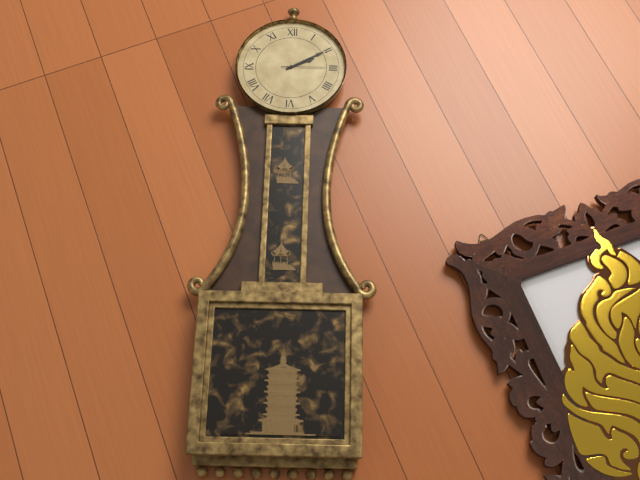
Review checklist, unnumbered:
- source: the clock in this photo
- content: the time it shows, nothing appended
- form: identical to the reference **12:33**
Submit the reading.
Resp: **2:10**
